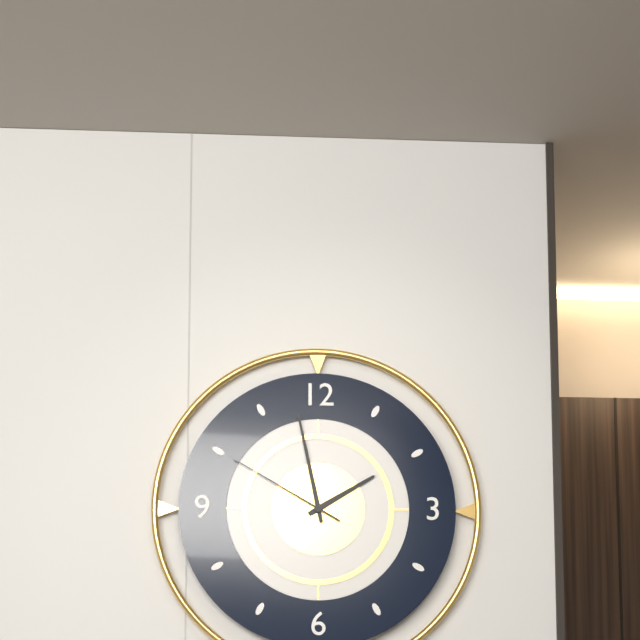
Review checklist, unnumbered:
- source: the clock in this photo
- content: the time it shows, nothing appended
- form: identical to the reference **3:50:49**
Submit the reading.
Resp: **1:58:50**
